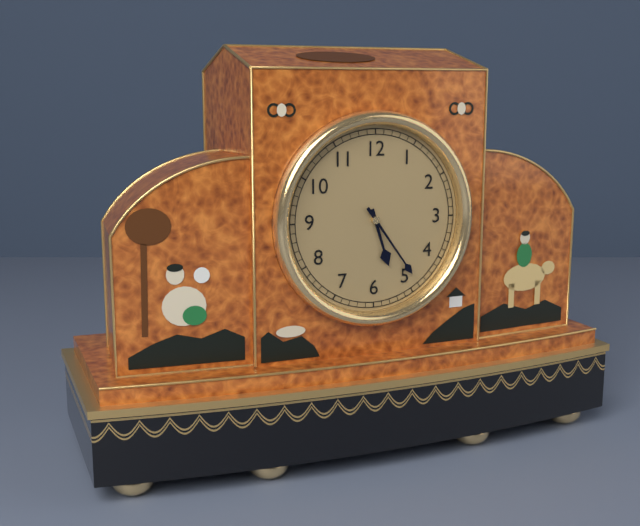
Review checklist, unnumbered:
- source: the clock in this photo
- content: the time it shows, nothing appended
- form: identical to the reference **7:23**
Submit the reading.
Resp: **5:24**
